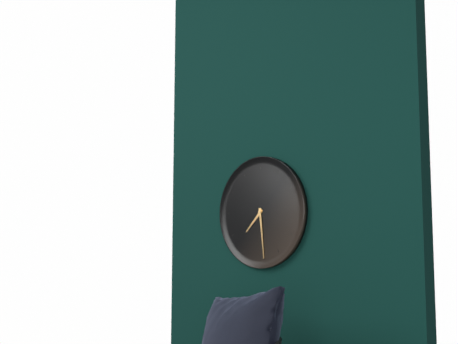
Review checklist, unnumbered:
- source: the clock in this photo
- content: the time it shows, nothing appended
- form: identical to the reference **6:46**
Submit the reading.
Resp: **7:29**
